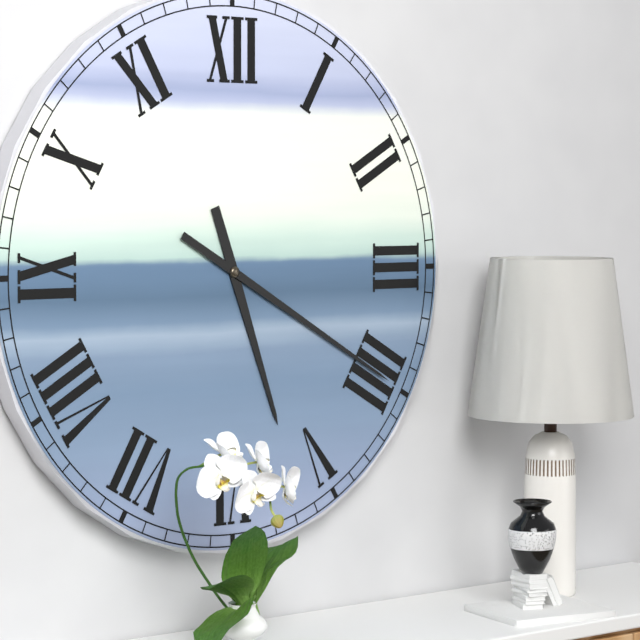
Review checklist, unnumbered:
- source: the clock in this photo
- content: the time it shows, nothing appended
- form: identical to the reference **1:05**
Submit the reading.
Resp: **5:20**
